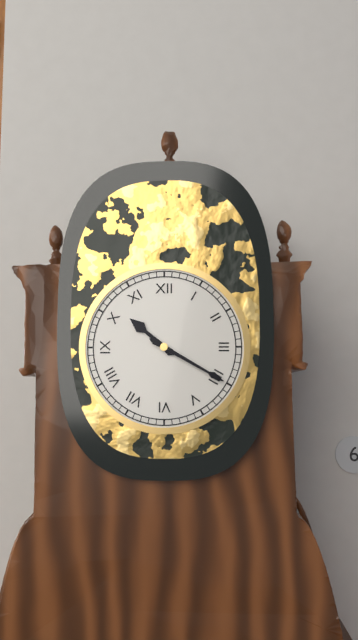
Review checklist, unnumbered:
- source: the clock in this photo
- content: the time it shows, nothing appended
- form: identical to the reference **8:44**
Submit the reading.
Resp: **10:20**
